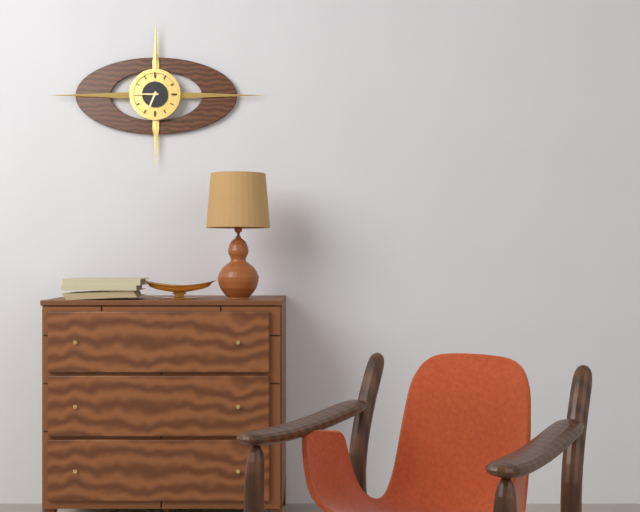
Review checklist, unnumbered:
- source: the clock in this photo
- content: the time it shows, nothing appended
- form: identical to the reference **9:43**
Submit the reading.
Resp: **6:45**
